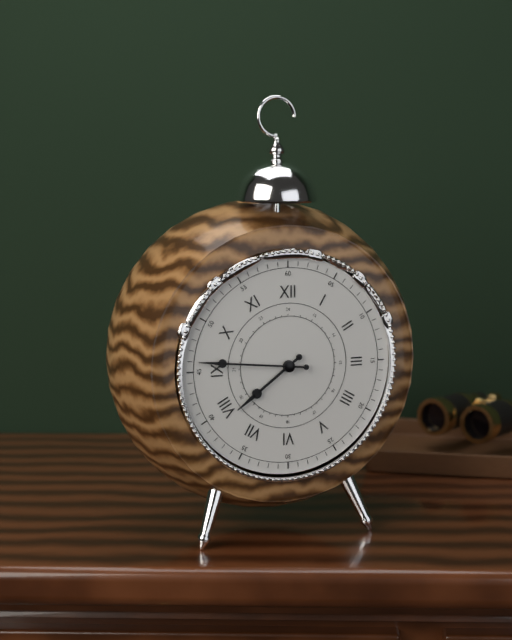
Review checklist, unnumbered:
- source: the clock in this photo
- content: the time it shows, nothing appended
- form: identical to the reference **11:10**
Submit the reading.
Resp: **7:46**
